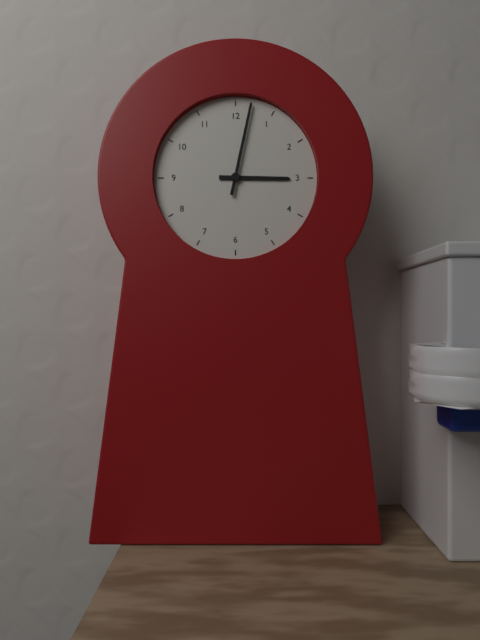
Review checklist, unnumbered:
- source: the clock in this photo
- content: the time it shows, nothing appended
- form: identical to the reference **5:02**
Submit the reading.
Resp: **3:02**
